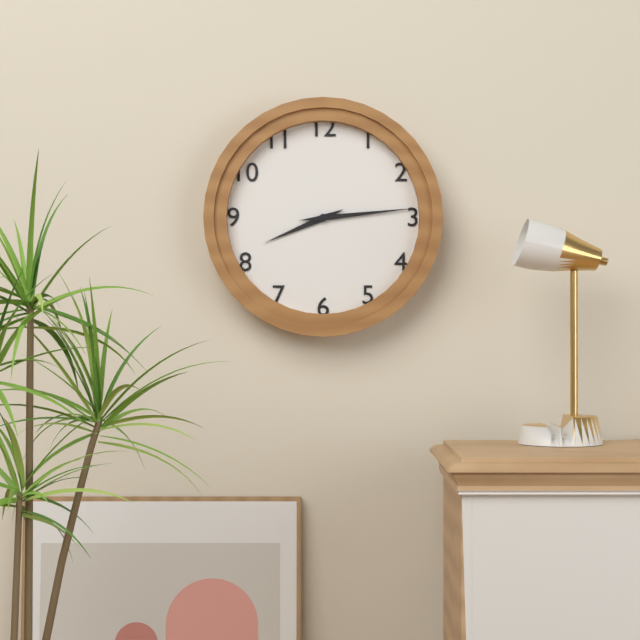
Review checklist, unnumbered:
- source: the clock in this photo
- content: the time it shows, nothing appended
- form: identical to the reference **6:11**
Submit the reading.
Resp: **8:14**
